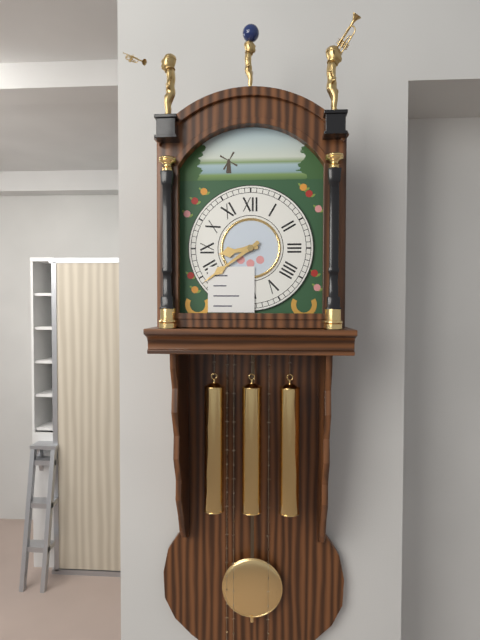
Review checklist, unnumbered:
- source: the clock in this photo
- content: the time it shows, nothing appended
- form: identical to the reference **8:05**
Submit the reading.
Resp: **8:39**
